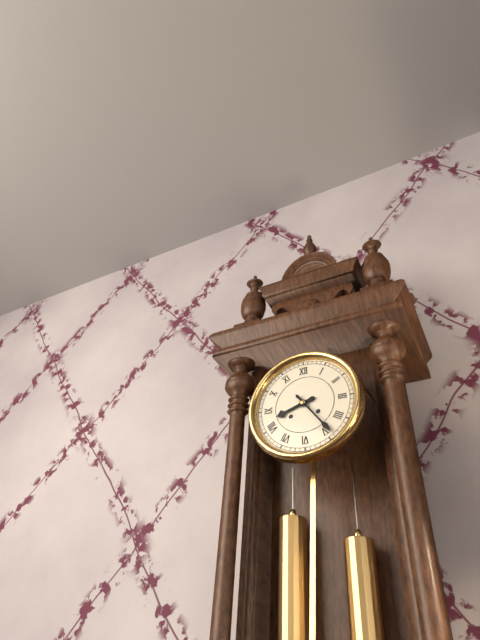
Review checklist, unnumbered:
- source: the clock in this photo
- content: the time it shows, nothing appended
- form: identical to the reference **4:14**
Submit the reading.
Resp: **8:24**
